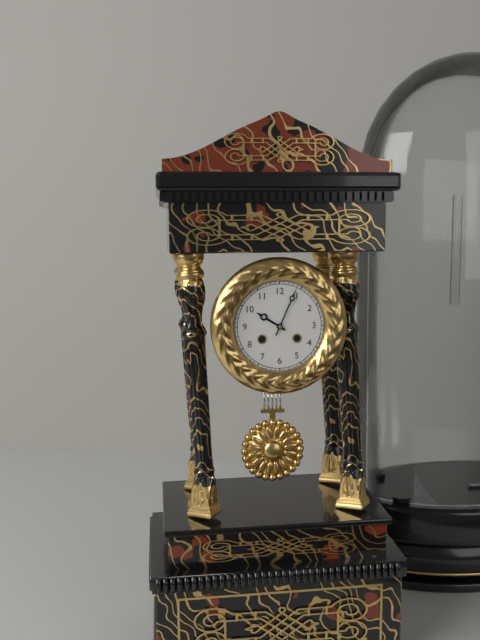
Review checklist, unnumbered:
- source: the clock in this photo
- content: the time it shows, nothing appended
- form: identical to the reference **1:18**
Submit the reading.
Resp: **10:04**
